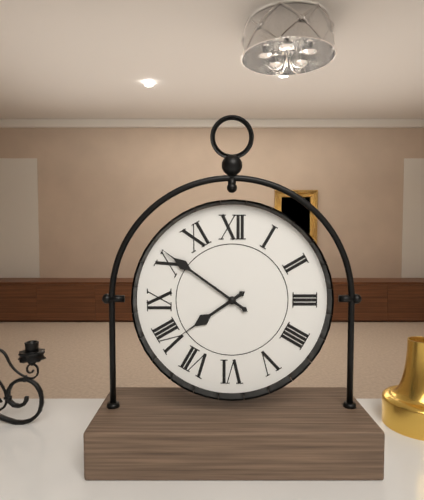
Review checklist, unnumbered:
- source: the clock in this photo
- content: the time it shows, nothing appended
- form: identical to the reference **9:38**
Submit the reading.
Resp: **7:51**
